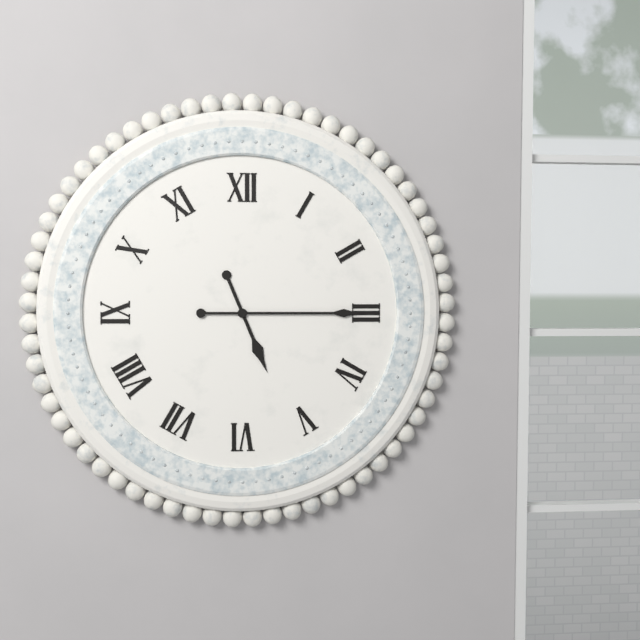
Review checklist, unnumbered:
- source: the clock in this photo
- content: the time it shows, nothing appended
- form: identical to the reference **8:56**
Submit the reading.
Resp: **5:15**
